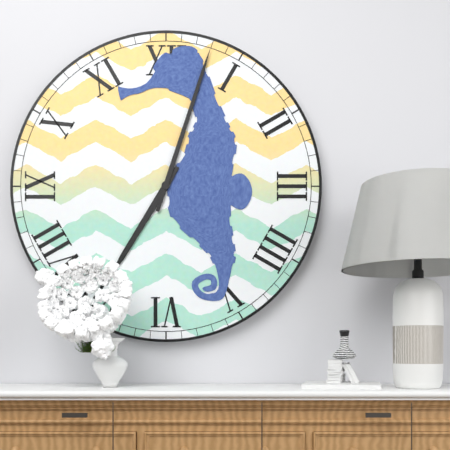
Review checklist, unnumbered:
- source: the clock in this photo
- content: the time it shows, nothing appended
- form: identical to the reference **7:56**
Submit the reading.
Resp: **7:03**
